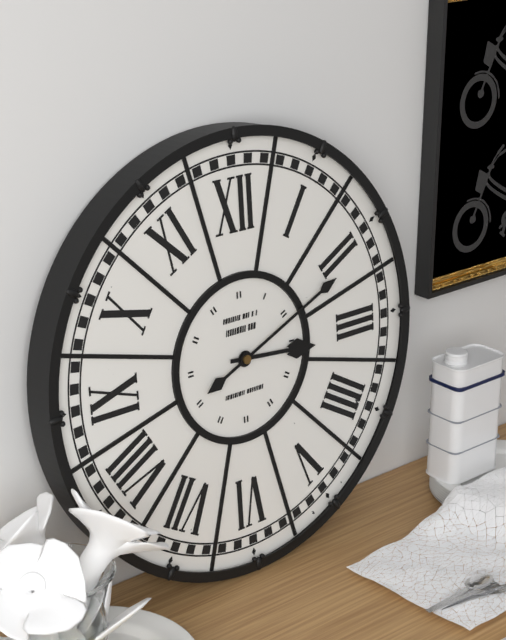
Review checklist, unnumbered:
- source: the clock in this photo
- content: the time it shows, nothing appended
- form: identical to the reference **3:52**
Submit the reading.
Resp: **3:11**
